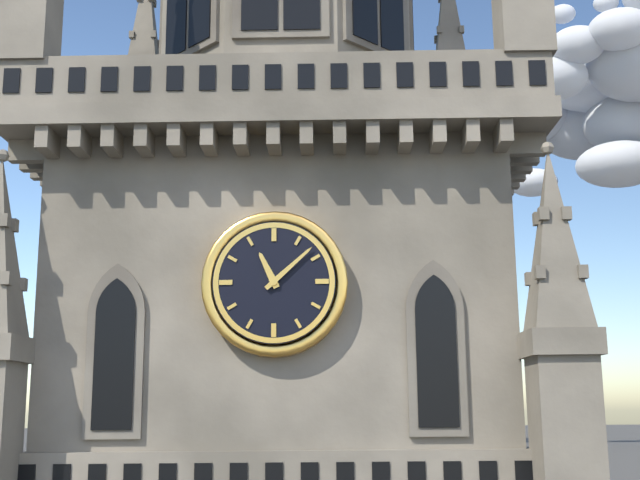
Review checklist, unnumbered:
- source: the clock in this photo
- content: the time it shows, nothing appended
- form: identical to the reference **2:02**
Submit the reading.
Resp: **11:08**
